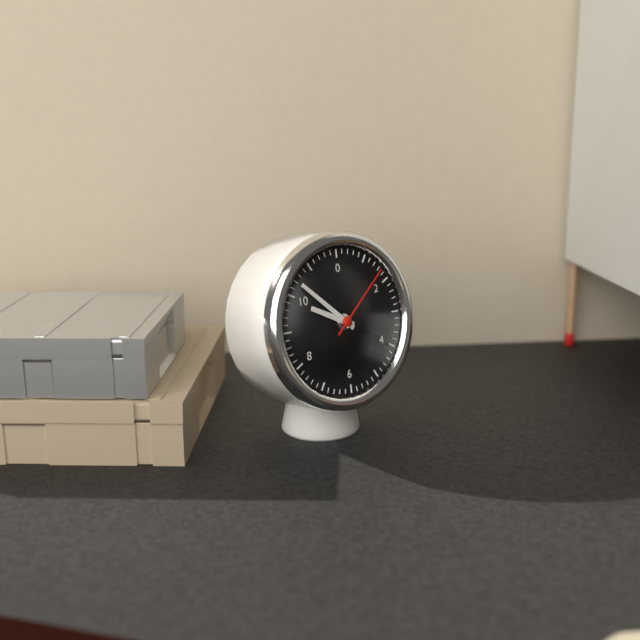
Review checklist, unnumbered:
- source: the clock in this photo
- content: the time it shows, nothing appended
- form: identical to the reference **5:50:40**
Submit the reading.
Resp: **9:52:08**
